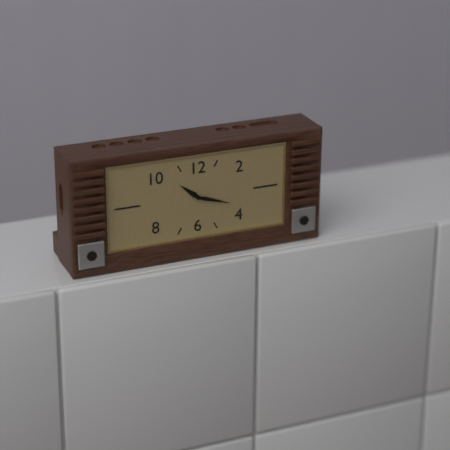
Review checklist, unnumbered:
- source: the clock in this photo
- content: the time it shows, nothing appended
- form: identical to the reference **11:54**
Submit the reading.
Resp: **10:18**
